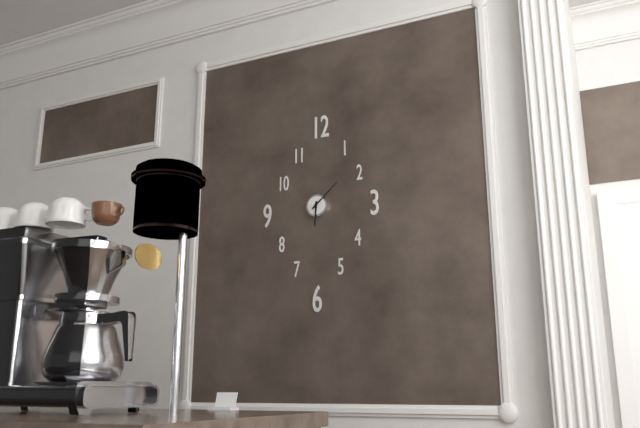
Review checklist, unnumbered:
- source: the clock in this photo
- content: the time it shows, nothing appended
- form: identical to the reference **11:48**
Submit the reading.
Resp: **6:08**
